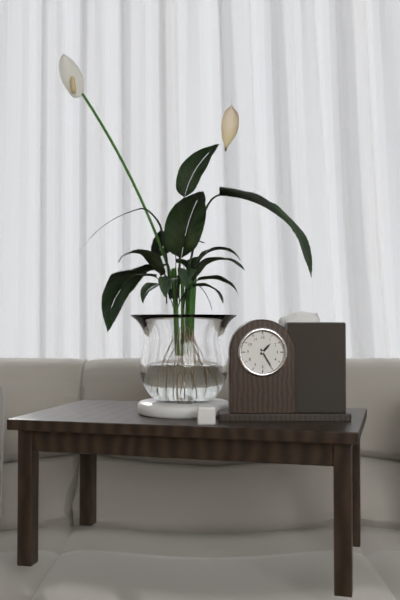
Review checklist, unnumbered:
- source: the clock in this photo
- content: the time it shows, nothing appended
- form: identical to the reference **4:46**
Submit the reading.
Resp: **1:25**
